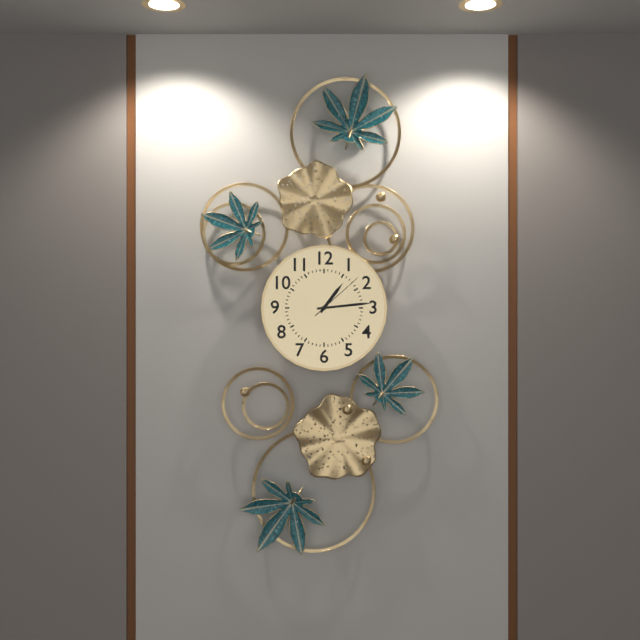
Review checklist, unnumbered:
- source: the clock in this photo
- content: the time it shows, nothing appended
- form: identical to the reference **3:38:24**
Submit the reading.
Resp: **1:14:08**
